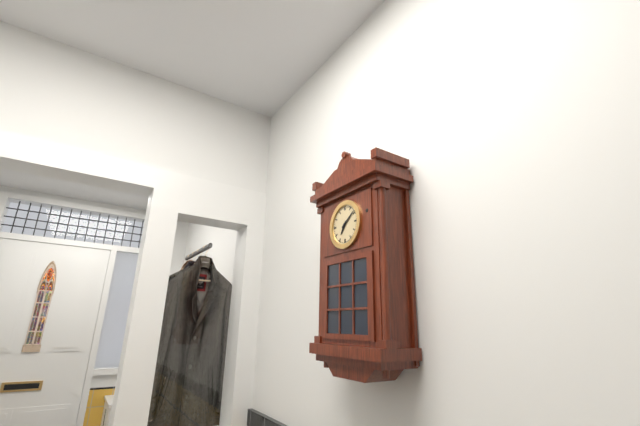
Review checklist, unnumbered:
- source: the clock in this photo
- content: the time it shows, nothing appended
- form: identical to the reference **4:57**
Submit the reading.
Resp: **7:09**
